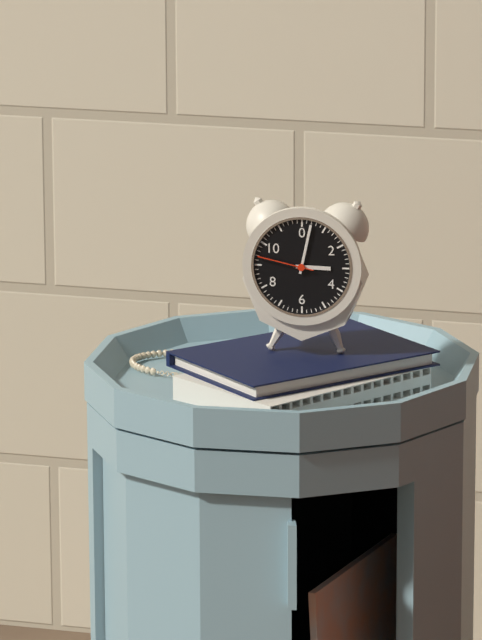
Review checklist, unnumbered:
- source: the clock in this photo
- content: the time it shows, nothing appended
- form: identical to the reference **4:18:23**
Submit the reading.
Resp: **3:02:47**
